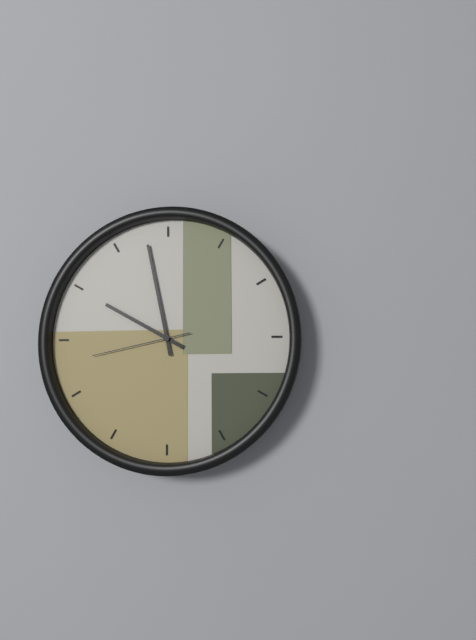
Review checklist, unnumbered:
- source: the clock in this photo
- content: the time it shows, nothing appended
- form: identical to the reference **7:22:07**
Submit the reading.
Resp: **9:58:43**
